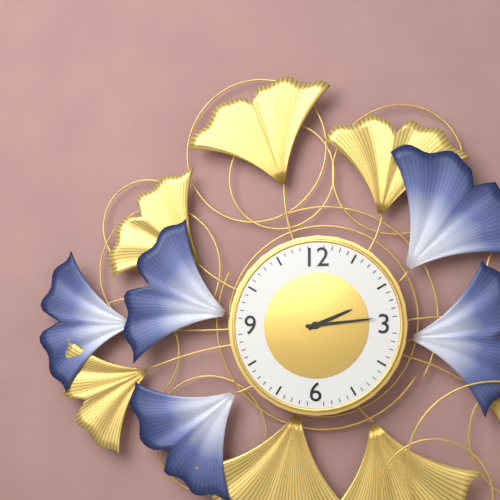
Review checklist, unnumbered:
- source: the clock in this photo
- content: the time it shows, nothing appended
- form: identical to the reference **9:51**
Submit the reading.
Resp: **2:14**
